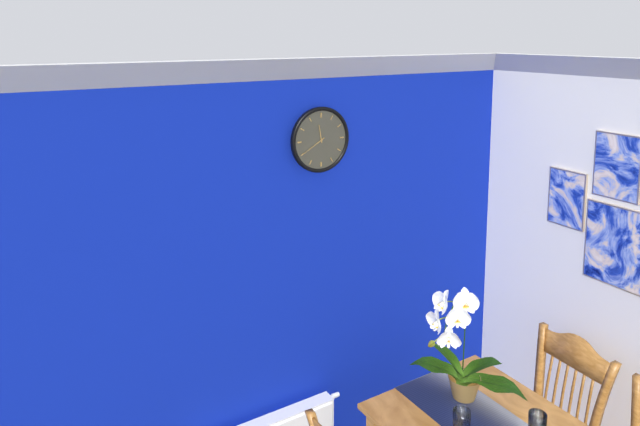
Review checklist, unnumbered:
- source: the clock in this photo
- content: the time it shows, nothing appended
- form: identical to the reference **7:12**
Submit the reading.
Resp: **11:40**
